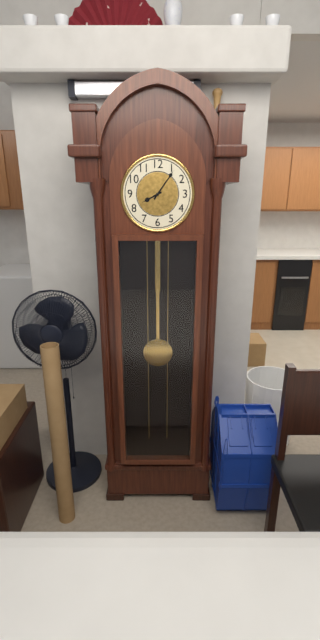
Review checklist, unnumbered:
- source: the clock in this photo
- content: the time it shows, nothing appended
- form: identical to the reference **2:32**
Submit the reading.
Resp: **8:06**
